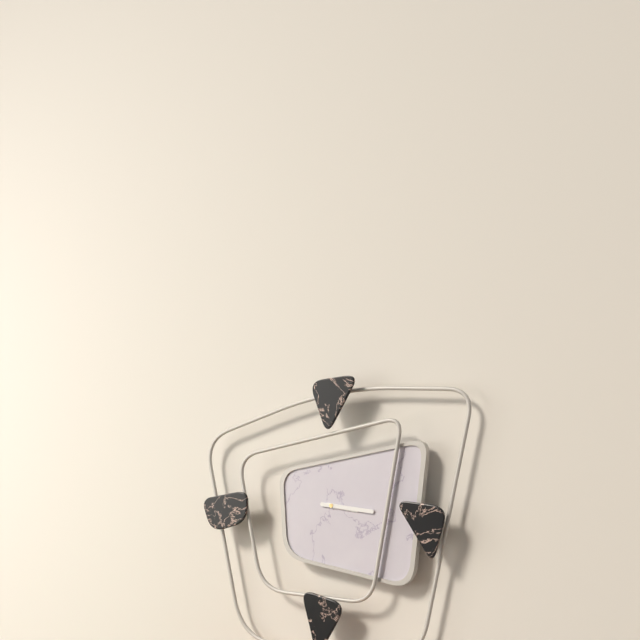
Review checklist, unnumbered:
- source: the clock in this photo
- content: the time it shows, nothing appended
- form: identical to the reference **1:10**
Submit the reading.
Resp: **3:16**
